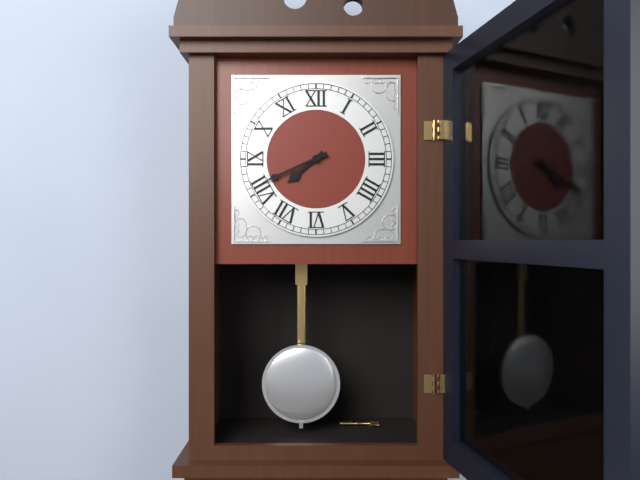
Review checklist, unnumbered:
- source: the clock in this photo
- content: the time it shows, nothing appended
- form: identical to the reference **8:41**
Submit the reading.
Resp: **7:41**
